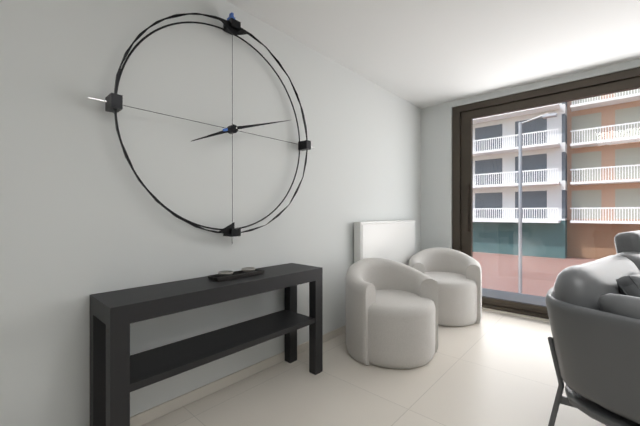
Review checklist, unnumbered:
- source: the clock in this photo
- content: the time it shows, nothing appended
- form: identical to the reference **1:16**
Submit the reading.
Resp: **8:12**
